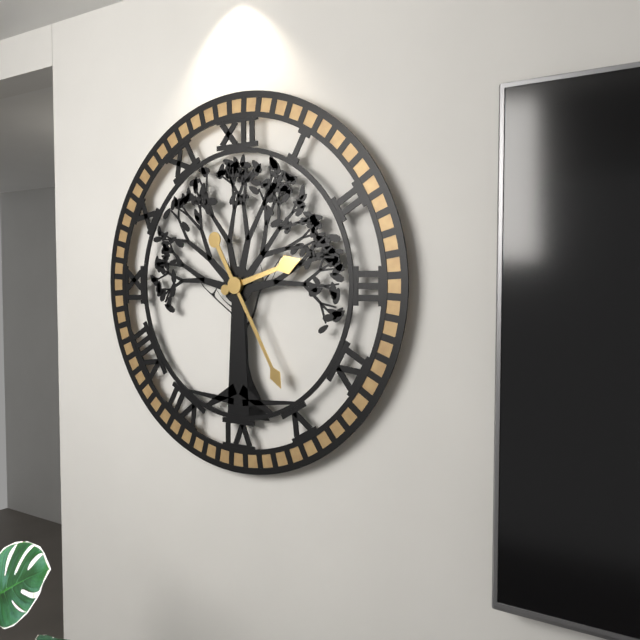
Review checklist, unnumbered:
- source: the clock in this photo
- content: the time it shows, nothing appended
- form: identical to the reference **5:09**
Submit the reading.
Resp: **2:25**
